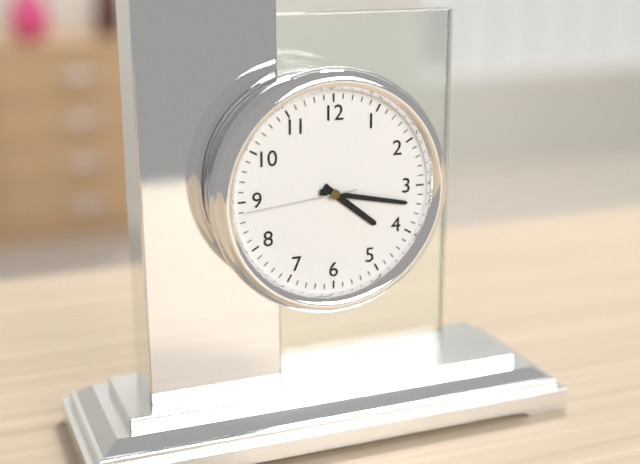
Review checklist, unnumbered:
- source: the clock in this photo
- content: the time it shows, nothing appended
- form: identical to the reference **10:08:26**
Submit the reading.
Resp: **4:17:44**
